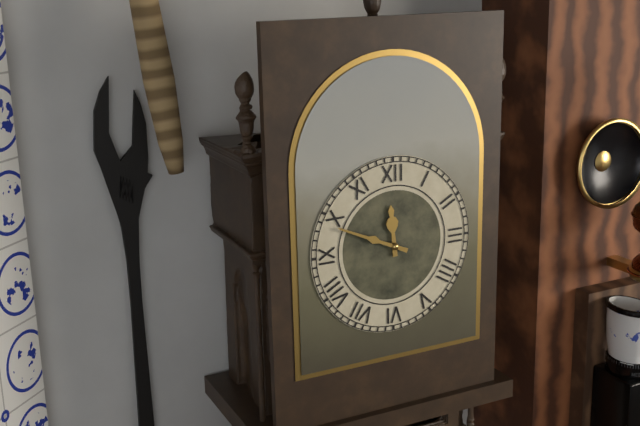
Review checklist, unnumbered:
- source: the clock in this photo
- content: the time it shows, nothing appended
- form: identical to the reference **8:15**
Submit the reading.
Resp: **11:49**
